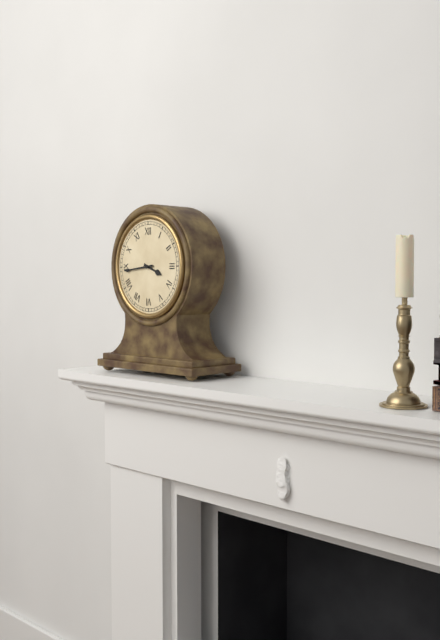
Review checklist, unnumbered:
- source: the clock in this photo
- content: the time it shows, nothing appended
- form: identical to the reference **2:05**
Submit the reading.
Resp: **3:44**
